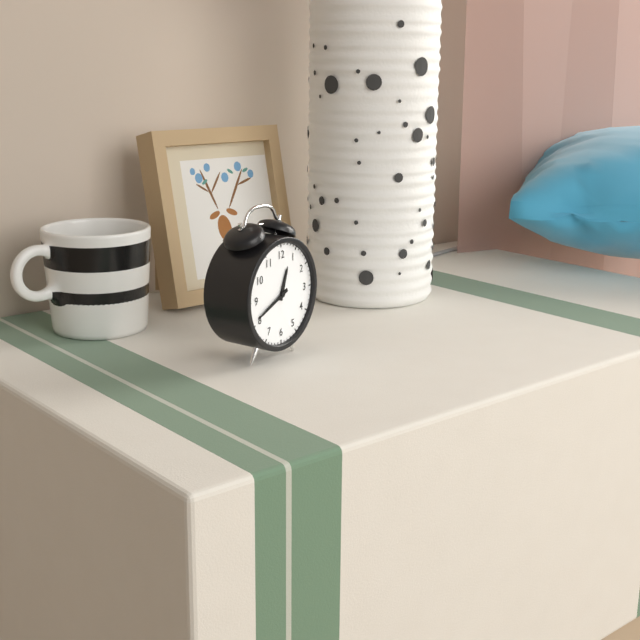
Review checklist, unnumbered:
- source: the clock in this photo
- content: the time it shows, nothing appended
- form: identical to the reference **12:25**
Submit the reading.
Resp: **12:41**
